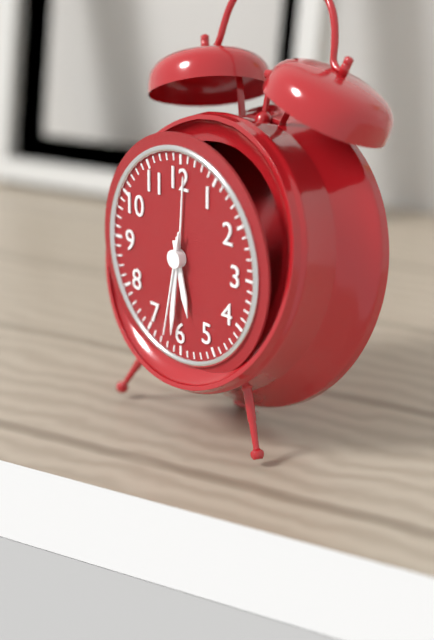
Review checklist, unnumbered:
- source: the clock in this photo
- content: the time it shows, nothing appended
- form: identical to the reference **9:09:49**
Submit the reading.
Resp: **5:31:32**
